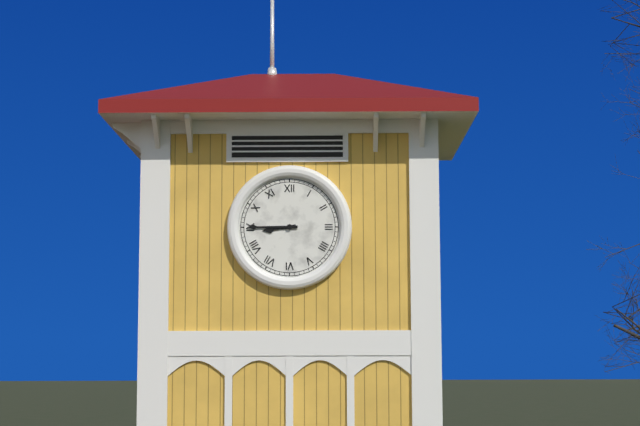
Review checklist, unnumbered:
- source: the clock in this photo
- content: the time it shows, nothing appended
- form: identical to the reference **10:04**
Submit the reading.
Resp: **8:45**
